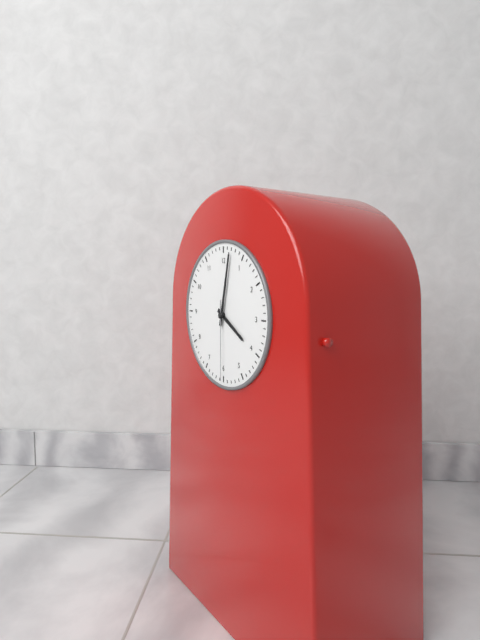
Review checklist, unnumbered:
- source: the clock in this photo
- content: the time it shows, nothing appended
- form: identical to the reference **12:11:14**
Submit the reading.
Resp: **4:02:30**
